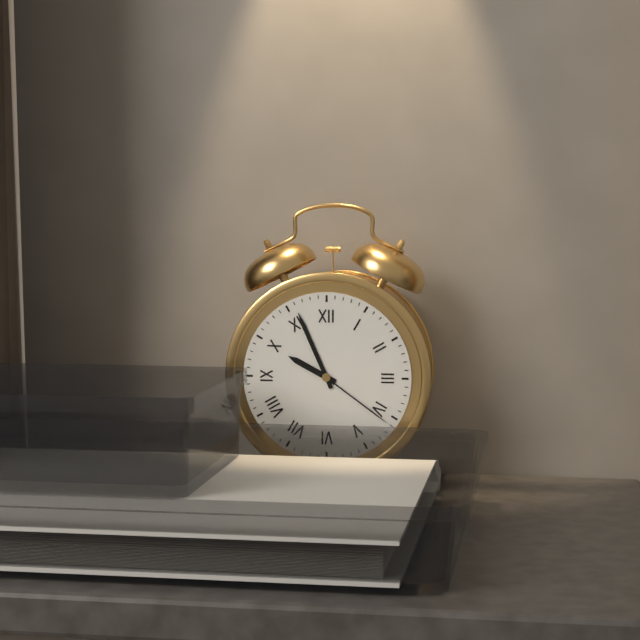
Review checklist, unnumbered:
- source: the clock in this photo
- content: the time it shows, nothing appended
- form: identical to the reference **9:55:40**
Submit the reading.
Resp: **9:56:21**
